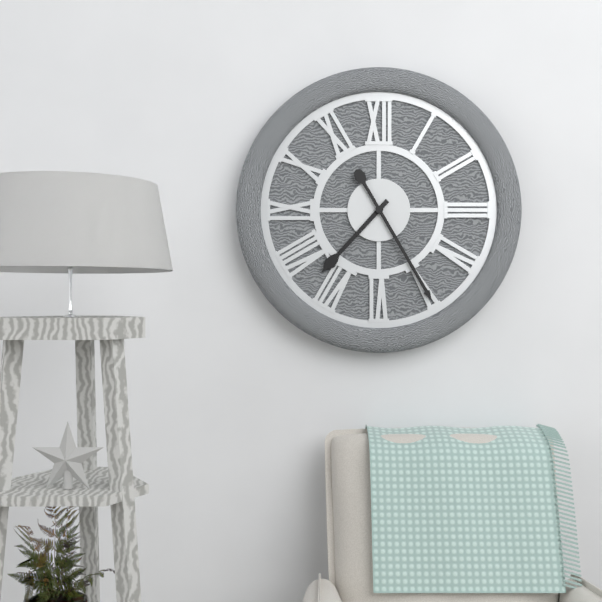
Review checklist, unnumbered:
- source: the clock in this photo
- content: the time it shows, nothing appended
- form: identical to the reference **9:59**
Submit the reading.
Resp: **7:25**
